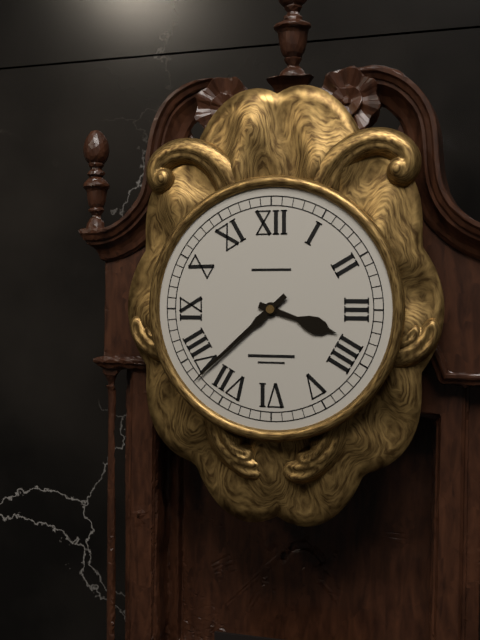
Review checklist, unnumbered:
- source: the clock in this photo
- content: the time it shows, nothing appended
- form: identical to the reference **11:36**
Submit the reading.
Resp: **3:38**
